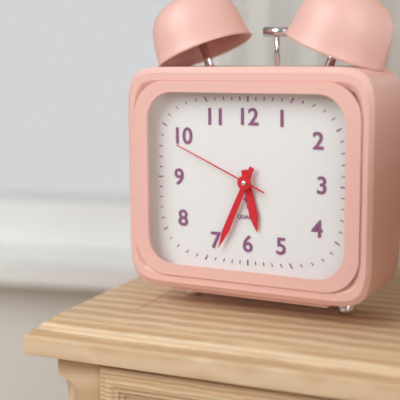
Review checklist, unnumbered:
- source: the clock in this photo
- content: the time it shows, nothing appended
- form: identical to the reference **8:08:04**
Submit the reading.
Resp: **5:34:49**
